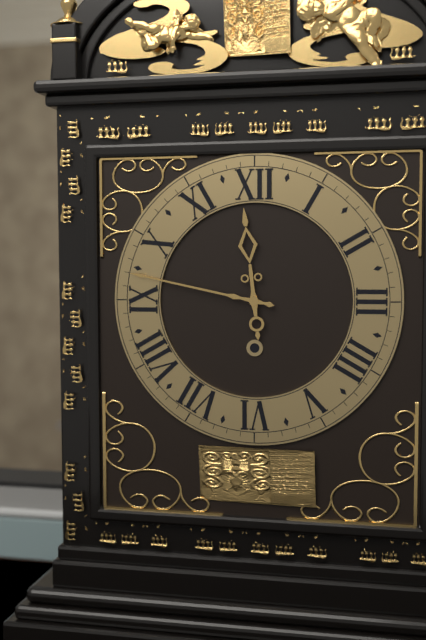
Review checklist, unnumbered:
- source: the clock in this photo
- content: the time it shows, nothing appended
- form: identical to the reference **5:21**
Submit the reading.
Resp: **11:47**
